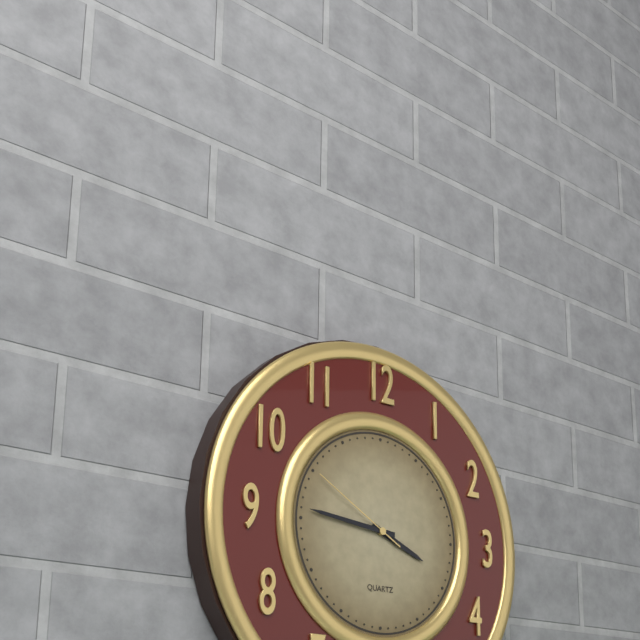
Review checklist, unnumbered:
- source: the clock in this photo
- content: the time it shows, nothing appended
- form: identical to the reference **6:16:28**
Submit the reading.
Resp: **3:46:50**
